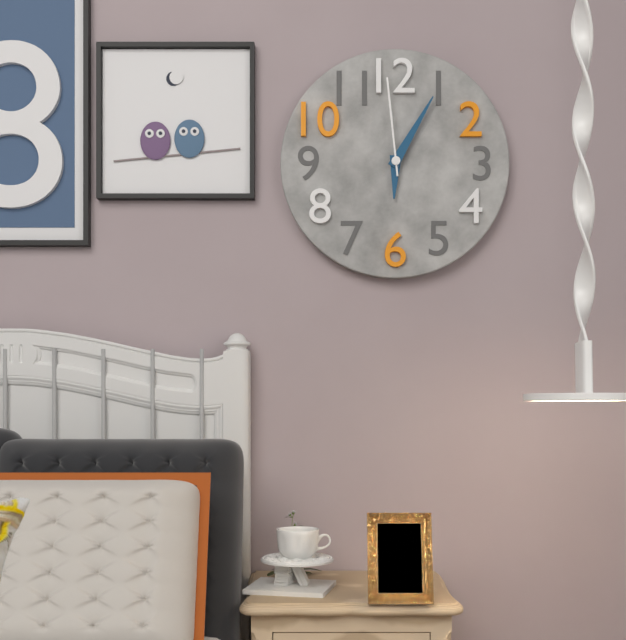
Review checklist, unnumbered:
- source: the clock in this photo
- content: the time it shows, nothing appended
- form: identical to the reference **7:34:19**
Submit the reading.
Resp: **6:05:59**
